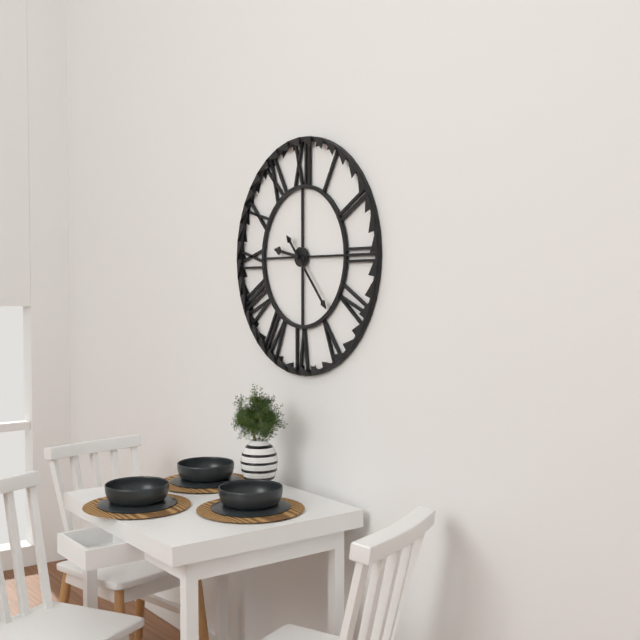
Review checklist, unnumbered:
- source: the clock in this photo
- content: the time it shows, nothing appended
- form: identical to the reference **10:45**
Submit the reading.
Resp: **9:23**
